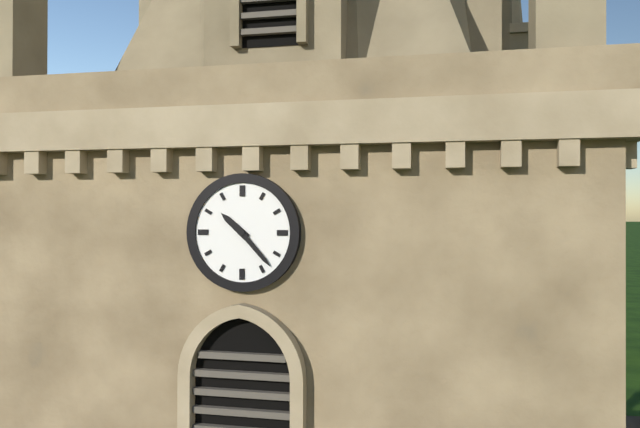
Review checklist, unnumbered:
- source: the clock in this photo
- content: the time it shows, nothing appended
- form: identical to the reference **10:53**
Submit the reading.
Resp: **10:23**
